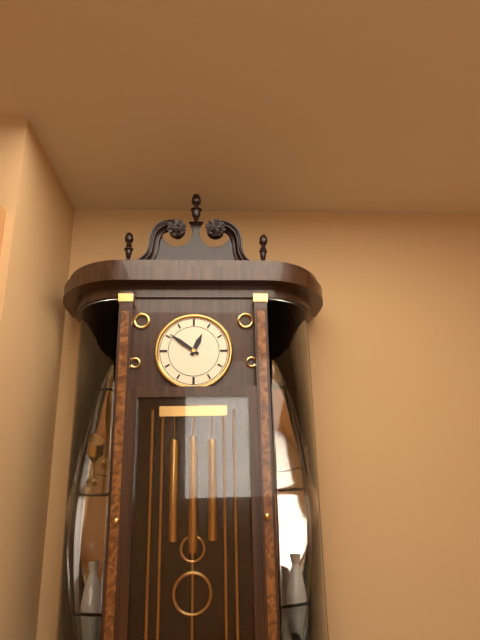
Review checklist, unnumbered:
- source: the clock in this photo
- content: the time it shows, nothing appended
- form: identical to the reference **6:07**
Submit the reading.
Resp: **12:51**
